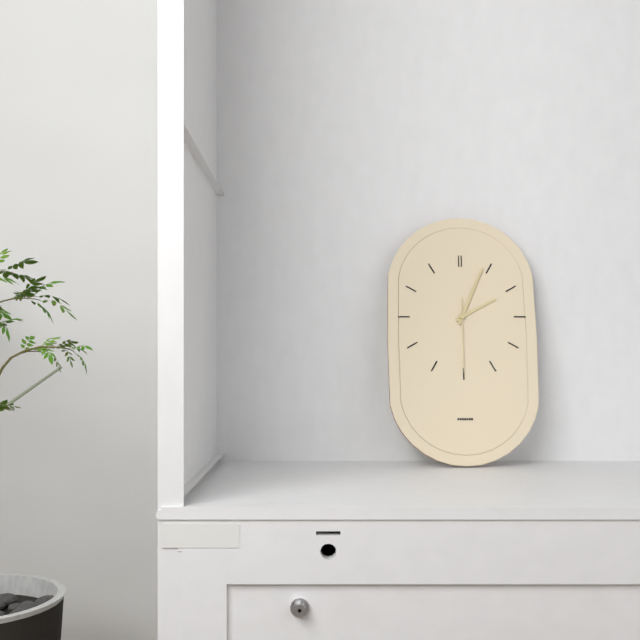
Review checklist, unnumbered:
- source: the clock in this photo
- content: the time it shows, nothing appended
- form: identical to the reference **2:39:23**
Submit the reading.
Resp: **2:04:30**
